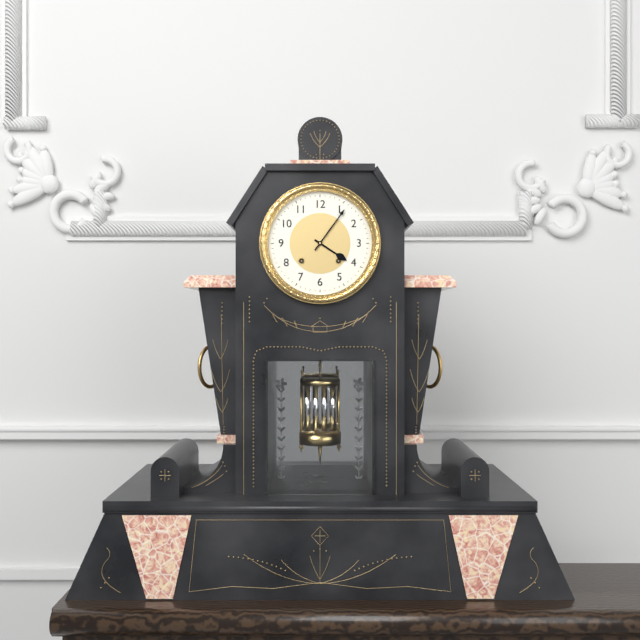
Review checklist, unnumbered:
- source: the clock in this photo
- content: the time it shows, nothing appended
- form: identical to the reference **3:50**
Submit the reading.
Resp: **4:06**
